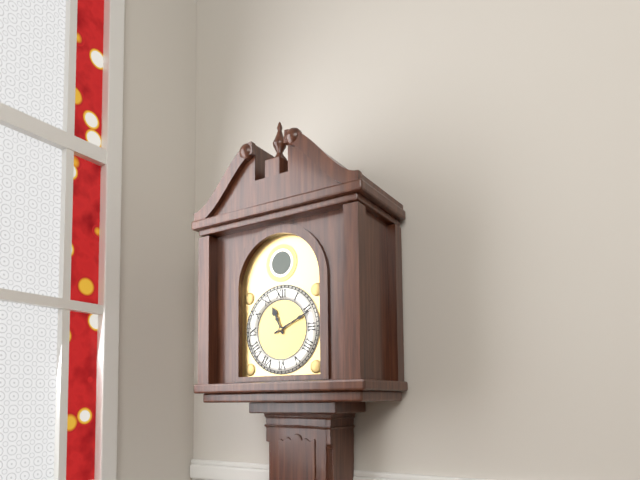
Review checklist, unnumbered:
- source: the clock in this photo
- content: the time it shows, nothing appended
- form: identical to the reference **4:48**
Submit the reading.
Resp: **11:11**
